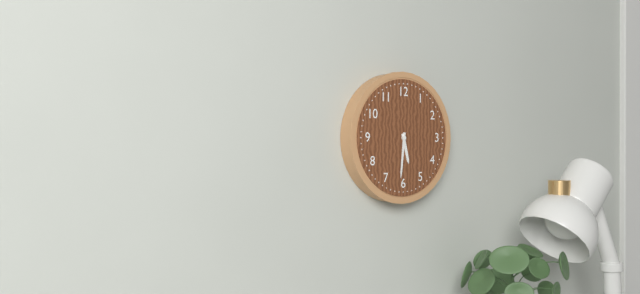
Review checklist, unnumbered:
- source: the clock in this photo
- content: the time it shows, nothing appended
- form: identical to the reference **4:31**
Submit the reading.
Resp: **5:31**
